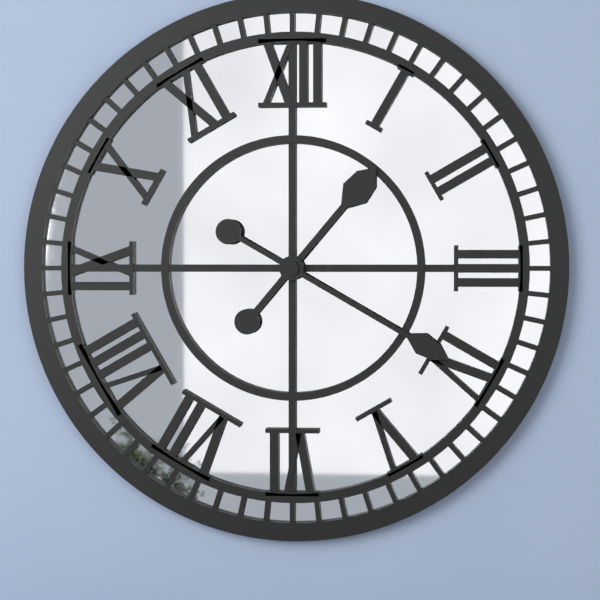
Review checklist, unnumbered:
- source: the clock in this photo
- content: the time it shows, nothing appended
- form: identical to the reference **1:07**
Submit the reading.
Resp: **1:20**
